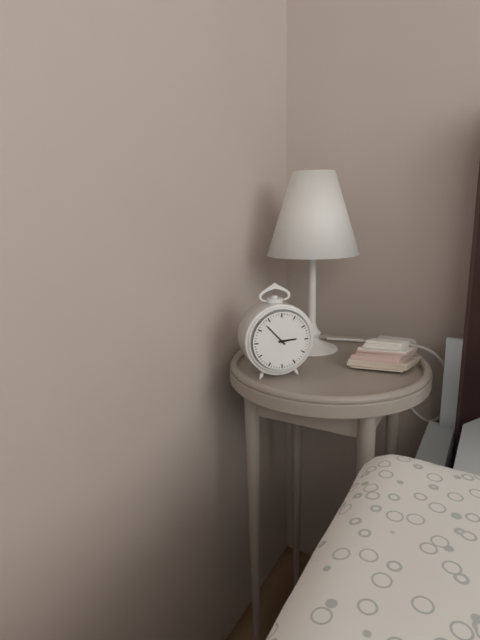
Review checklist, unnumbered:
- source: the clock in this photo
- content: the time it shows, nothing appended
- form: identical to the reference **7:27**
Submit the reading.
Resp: **2:53**
